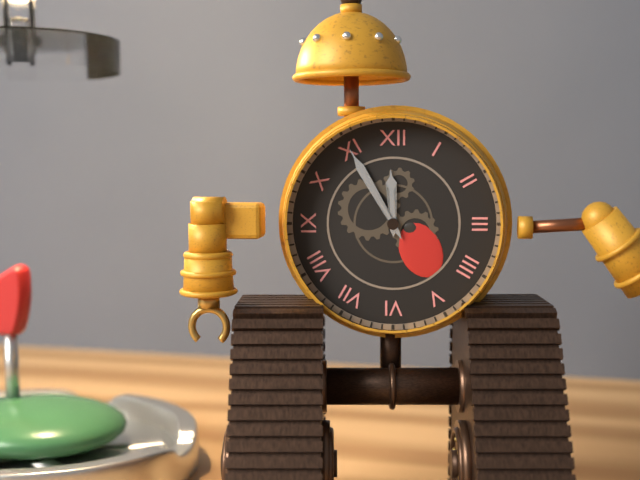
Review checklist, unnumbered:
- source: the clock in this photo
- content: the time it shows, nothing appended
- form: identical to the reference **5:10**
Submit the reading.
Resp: **11:55**
